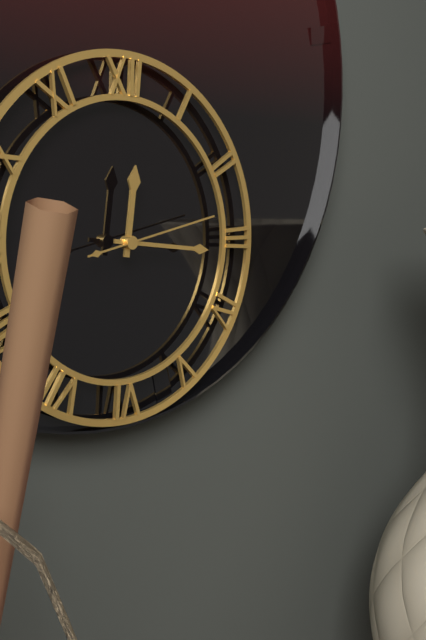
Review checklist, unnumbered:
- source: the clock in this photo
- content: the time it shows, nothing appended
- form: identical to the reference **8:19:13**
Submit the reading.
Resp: **12:16:13**
